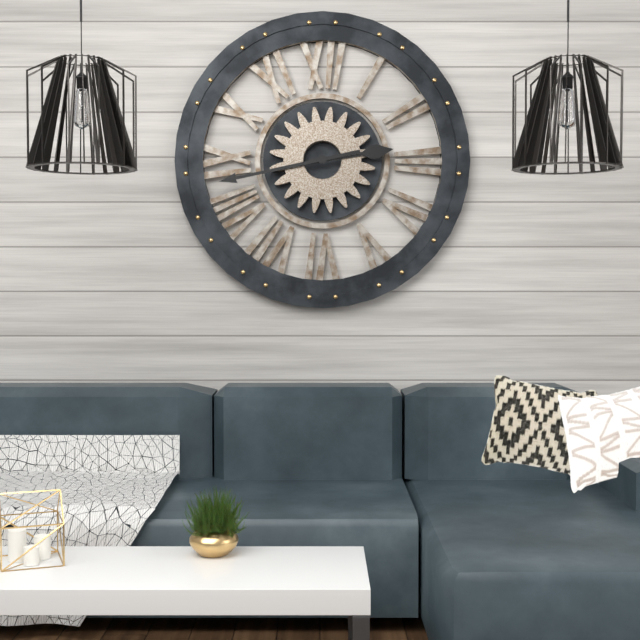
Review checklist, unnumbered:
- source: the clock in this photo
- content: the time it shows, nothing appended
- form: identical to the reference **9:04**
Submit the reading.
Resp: **2:43**
